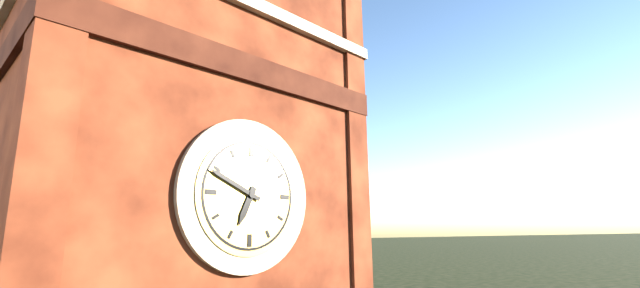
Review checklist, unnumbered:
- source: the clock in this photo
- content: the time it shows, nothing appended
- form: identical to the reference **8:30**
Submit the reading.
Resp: **6:49**
